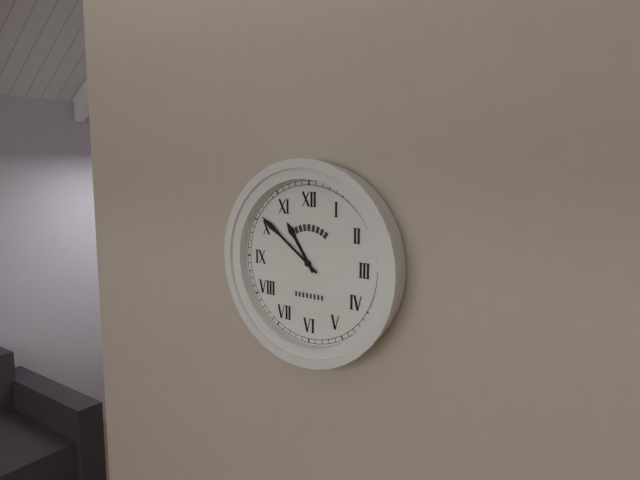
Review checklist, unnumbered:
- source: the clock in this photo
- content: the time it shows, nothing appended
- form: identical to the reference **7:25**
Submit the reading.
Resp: **10:51**
